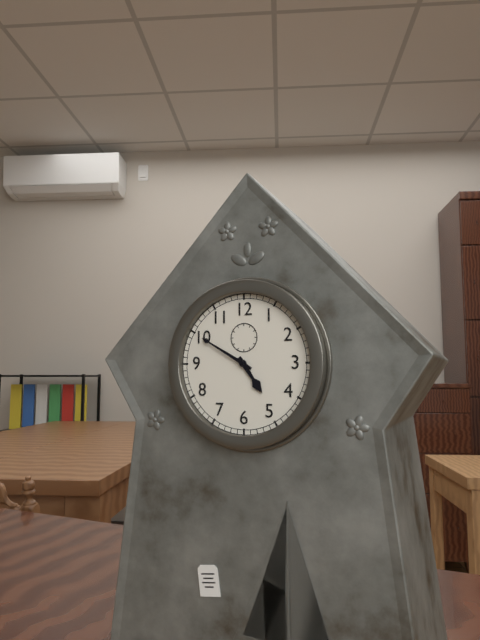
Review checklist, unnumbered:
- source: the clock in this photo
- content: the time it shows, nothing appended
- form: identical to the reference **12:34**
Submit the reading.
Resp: **4:50**
